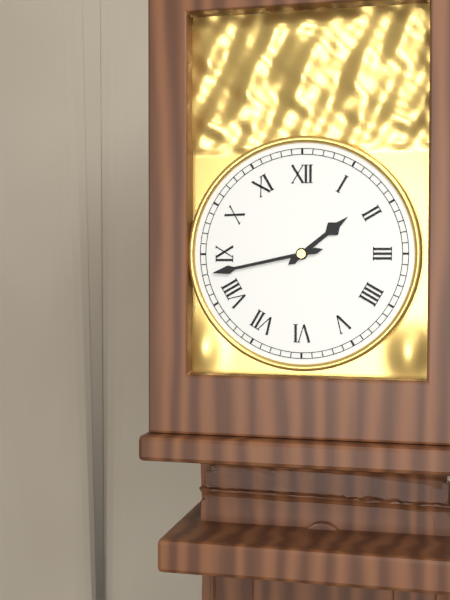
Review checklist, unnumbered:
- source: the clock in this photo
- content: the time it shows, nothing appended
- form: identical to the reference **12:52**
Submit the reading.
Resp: **1:43**
